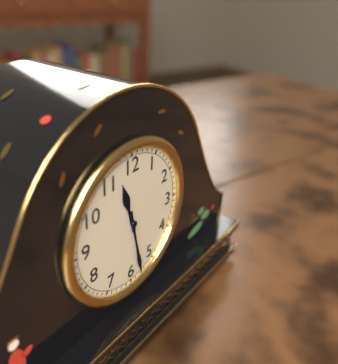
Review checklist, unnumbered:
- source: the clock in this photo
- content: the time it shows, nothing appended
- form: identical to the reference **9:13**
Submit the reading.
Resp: **11:28**
